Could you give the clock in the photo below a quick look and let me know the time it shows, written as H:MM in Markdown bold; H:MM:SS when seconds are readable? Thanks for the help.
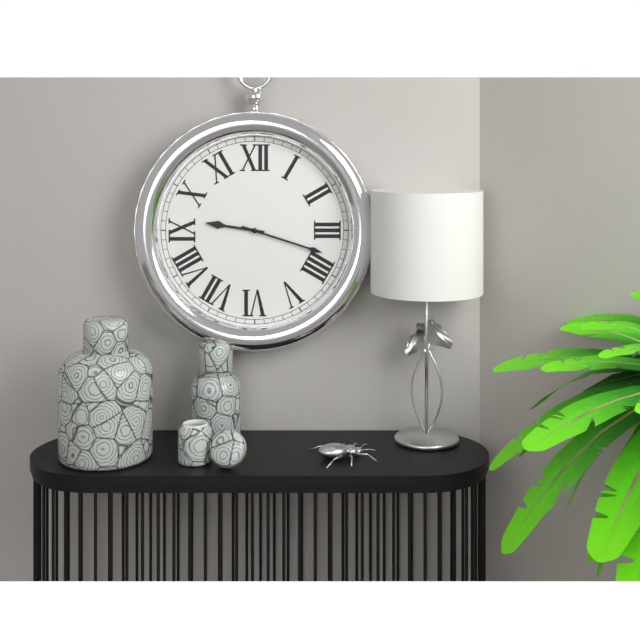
**9:18**
